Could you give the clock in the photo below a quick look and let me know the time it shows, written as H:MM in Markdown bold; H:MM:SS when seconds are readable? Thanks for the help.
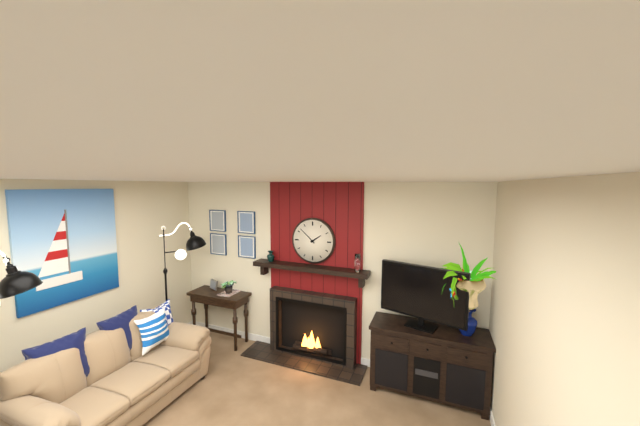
**1:52**
